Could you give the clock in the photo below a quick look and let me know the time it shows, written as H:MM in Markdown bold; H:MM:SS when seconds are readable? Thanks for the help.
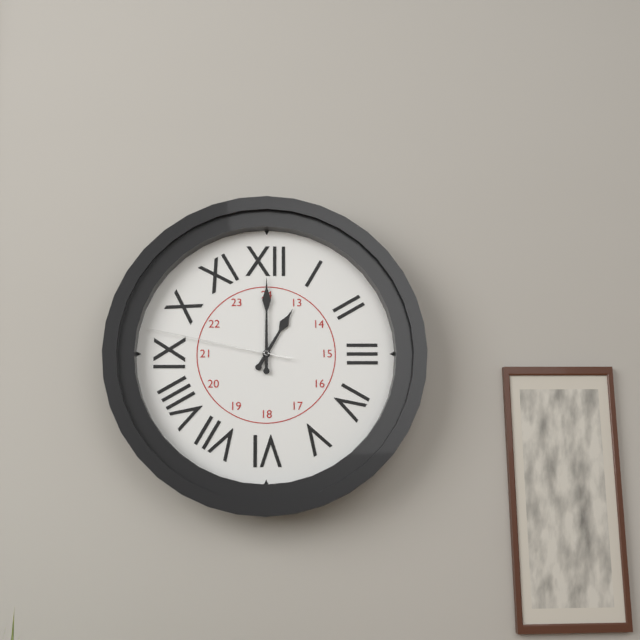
**1:00:47**
